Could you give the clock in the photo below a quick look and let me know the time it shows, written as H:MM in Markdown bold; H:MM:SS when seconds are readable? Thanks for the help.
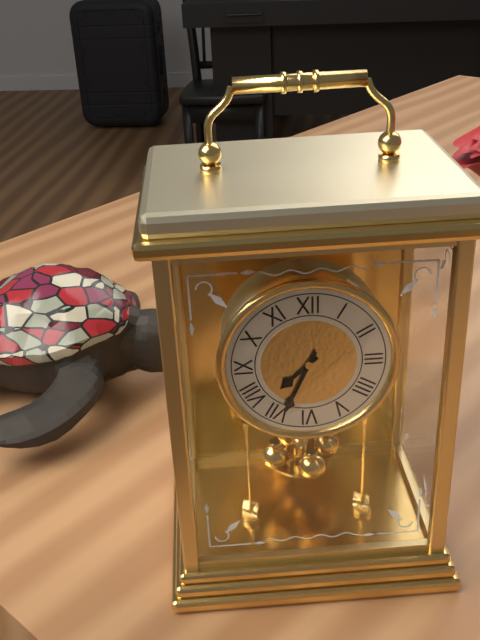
**7:34**
